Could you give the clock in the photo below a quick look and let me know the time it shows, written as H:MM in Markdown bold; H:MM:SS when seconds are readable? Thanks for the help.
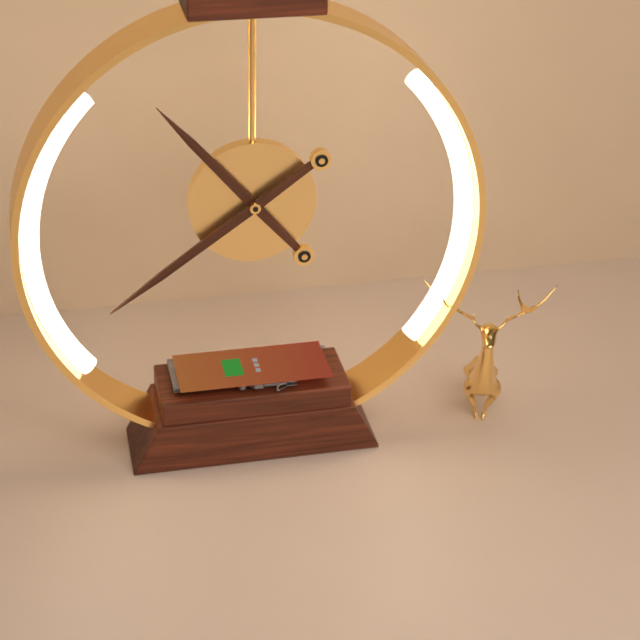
**10:39**
